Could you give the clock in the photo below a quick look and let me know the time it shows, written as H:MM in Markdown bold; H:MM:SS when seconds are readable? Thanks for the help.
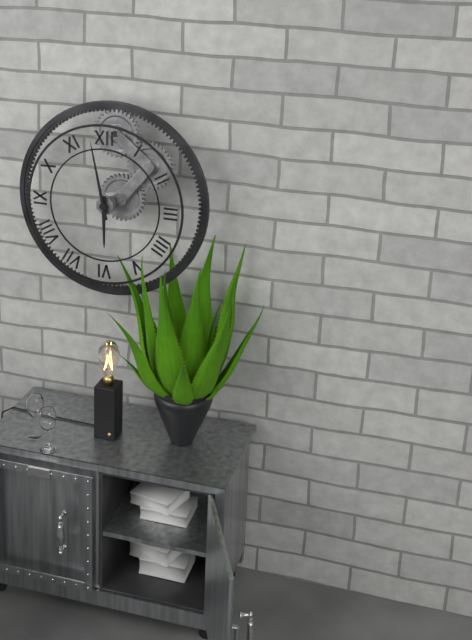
**5:58**
